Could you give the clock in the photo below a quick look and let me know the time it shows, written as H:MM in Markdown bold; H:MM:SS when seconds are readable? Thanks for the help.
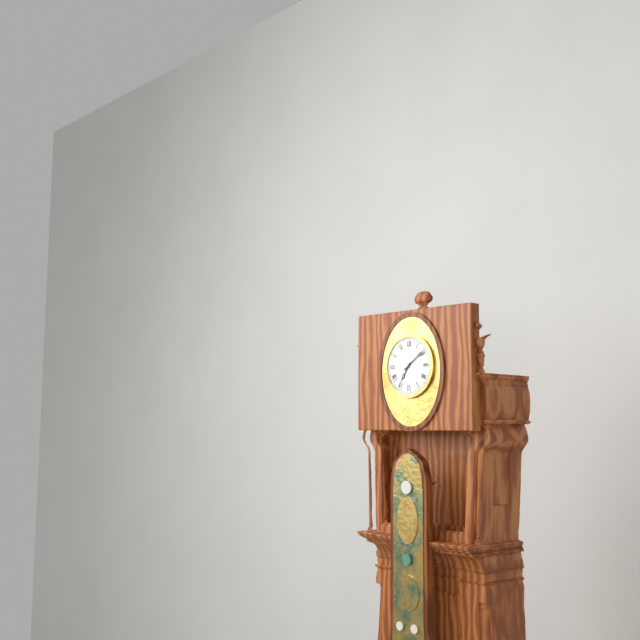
**7:09**
